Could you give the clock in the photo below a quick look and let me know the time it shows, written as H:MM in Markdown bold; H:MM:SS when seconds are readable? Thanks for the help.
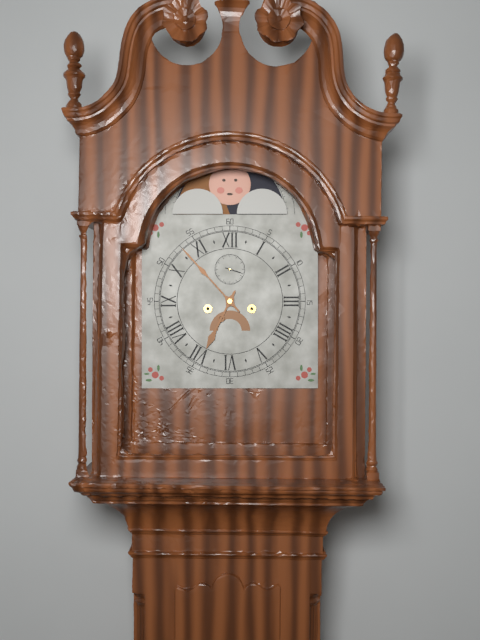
**6:53**
